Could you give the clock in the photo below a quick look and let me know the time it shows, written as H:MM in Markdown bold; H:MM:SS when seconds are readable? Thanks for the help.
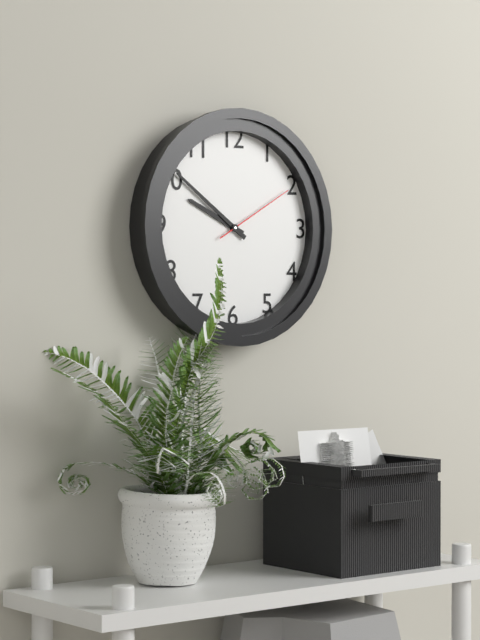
**9:51:10**
